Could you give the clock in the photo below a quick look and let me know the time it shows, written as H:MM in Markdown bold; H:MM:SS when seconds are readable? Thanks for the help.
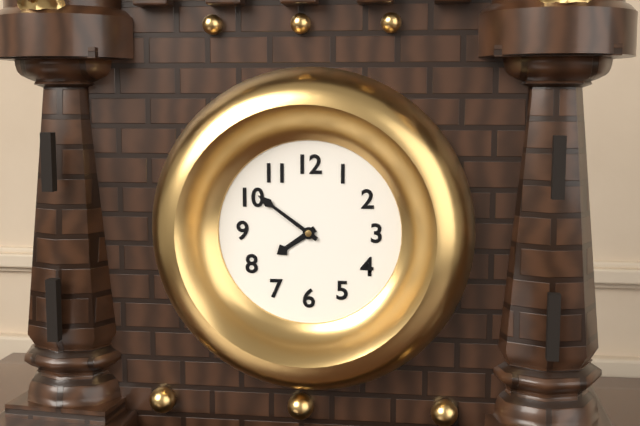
**7:51**
